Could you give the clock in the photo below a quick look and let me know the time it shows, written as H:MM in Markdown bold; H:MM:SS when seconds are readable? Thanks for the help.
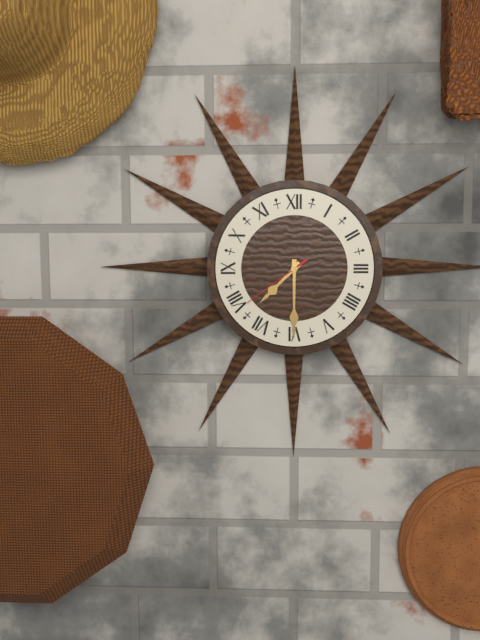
**7:30:39**
